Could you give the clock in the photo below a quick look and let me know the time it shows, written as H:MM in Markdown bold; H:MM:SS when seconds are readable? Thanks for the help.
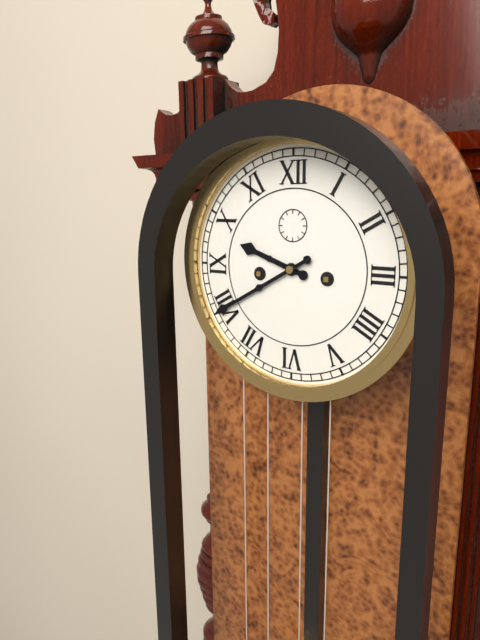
**9:40**
